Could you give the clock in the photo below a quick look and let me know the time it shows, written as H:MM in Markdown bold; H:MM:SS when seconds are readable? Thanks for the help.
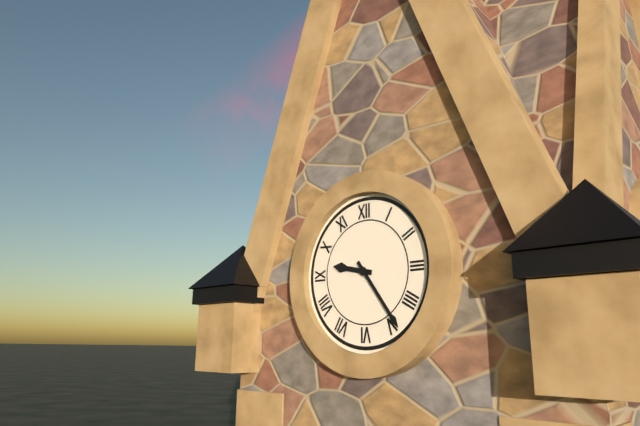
**9:24**
